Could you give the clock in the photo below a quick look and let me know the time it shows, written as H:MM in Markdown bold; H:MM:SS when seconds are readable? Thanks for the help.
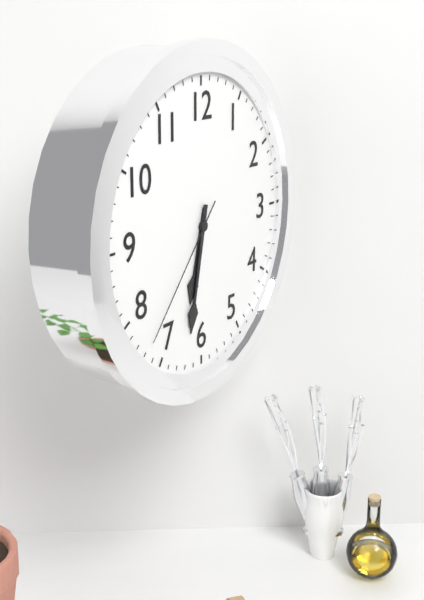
**6:32:37**
